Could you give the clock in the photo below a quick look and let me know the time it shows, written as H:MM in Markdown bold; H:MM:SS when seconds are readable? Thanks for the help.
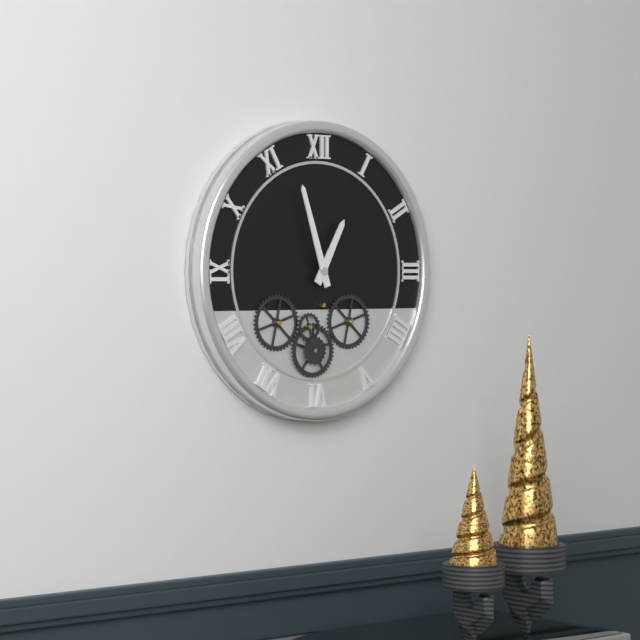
**12:57**
